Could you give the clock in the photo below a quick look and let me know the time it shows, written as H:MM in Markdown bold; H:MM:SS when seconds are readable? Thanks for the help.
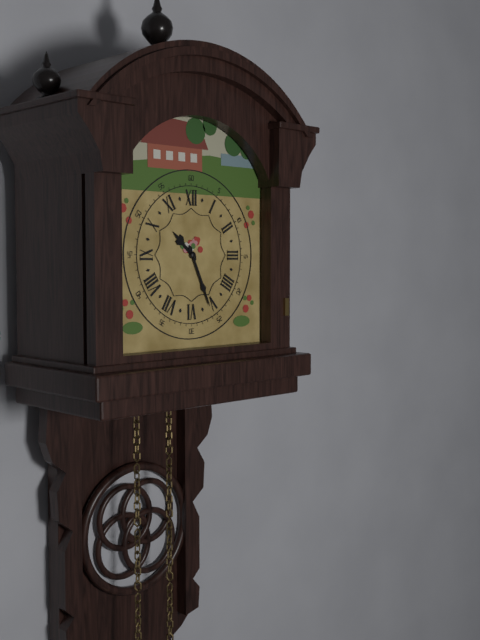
**10:26**
